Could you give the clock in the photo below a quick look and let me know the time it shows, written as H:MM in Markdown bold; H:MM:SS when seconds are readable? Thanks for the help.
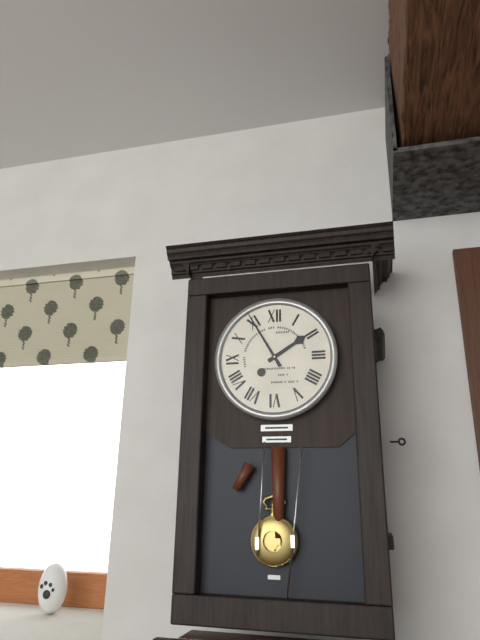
**1:55**
